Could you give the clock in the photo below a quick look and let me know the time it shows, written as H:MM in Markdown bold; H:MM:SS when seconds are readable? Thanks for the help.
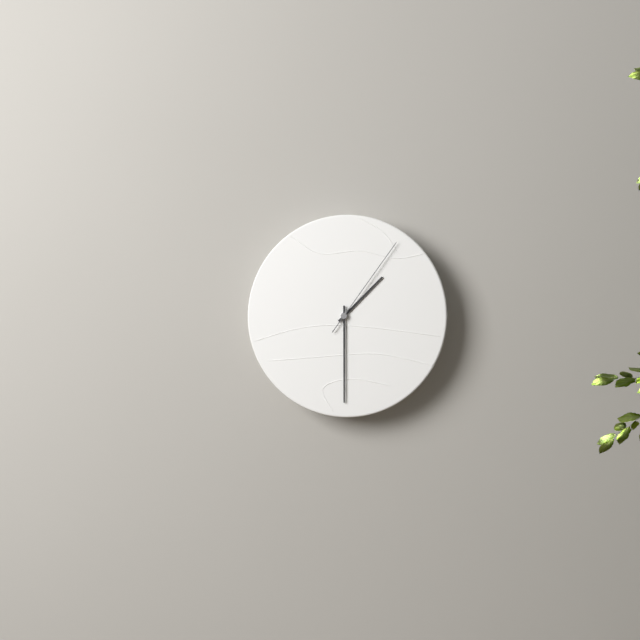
**1:30:06**
